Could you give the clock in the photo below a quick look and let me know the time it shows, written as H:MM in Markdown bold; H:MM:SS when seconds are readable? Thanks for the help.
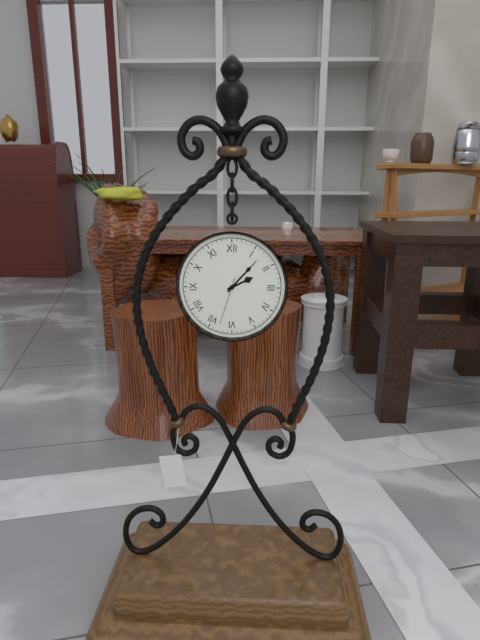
**2:07**
